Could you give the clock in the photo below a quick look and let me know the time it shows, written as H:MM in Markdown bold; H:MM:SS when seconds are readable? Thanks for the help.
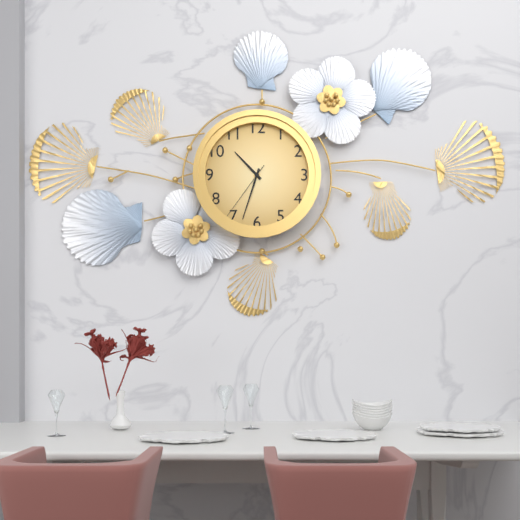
**10:33:36**
